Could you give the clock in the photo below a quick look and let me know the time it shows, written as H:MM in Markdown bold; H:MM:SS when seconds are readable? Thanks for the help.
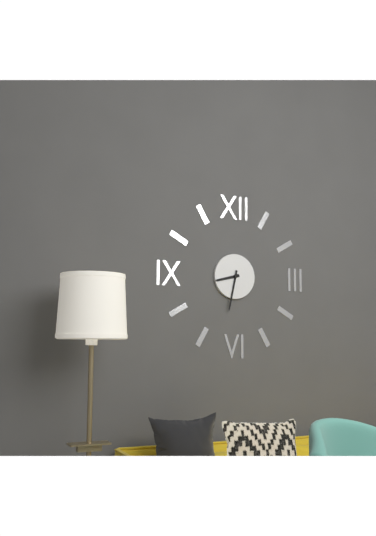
**8:32**
